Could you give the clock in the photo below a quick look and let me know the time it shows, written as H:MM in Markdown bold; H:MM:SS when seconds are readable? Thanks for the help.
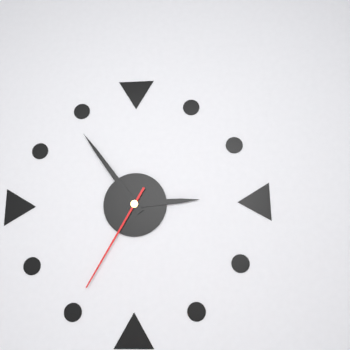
**2:54:35**
